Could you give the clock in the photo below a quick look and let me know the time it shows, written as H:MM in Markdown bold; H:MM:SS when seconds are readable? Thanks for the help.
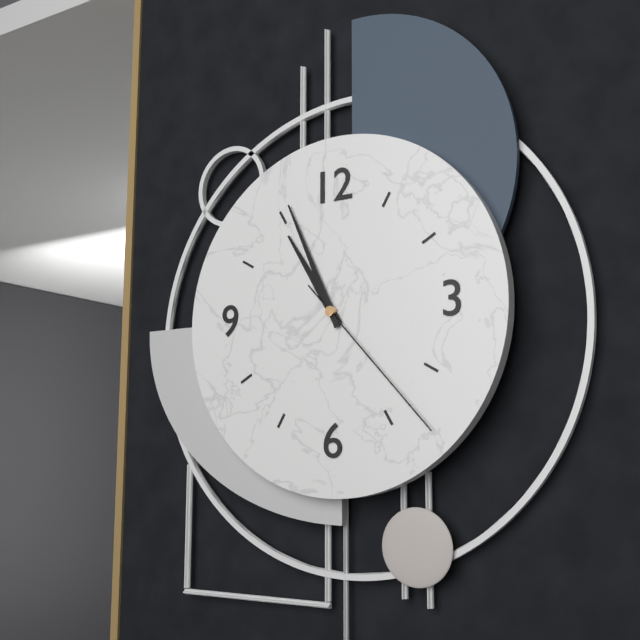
**10:56:23**
